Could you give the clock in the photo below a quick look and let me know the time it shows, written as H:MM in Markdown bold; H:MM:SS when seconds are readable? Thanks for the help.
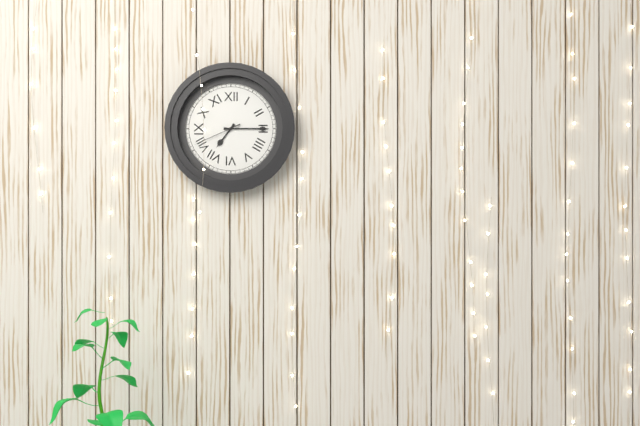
**7:15:41**
